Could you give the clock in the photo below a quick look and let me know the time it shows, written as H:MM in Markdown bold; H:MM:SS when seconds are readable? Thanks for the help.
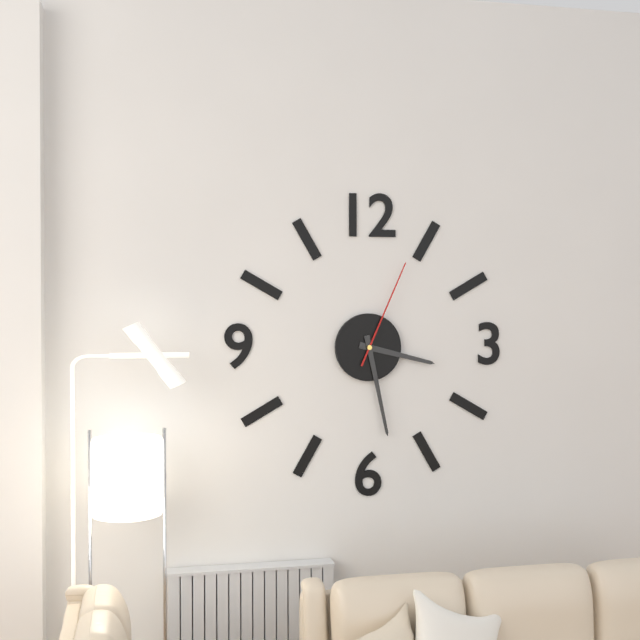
**3:28:04**
